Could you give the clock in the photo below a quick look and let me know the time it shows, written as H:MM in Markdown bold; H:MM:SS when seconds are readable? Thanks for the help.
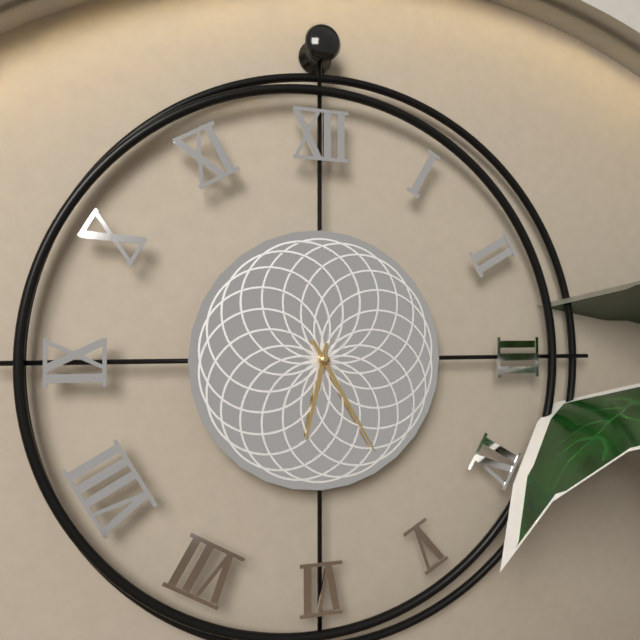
**6:25**
